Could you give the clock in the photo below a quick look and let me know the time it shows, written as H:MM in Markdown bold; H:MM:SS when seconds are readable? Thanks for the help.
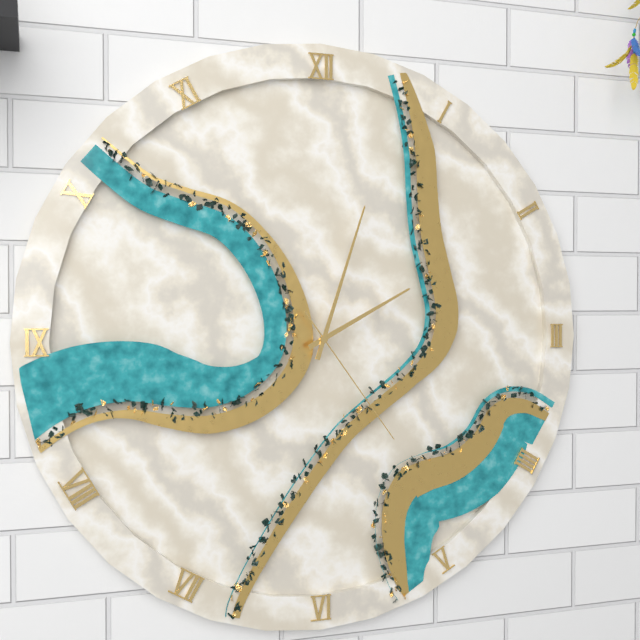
**2:03:24**
